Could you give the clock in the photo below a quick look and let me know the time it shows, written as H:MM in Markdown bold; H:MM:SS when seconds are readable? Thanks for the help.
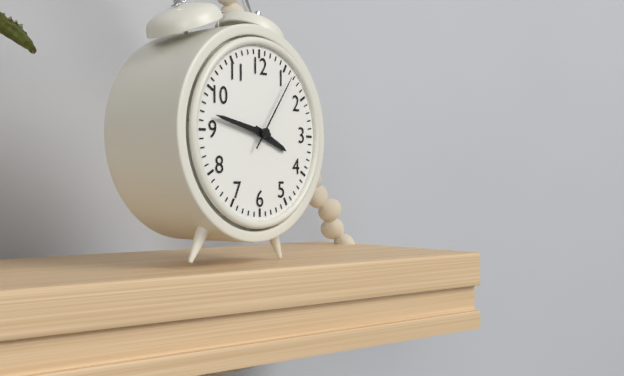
**3:47:06**
